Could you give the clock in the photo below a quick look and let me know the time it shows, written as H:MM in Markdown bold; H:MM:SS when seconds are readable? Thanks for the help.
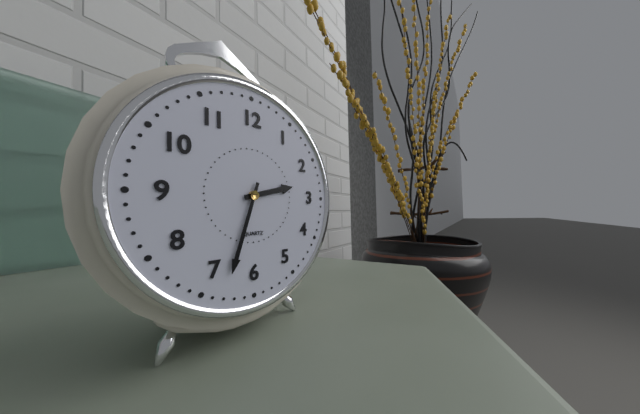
**2:33**
